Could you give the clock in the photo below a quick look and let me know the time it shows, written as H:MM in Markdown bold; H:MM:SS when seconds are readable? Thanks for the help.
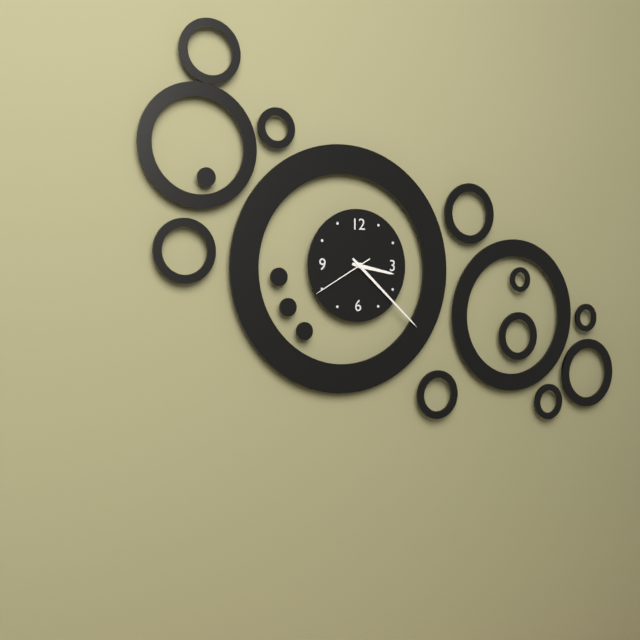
**3:22:40**
